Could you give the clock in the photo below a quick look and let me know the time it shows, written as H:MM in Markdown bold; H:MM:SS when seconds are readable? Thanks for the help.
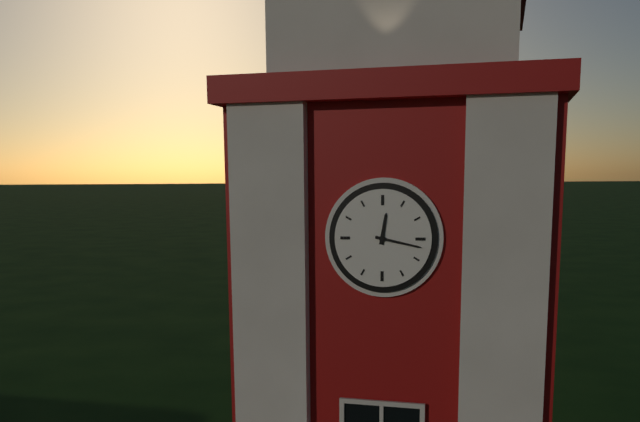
**12:17**
